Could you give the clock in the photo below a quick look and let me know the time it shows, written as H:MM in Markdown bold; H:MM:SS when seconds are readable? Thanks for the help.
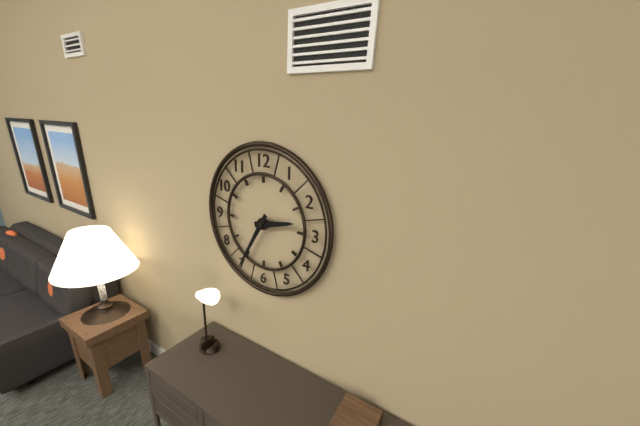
**2:35**
